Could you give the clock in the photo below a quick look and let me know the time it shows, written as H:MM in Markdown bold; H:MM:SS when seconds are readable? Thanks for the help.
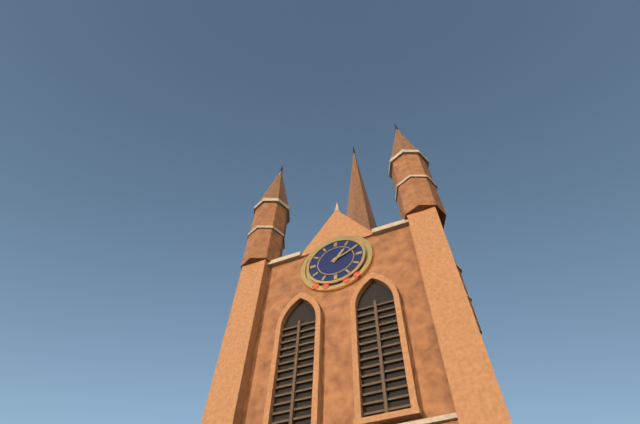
**1:11**
